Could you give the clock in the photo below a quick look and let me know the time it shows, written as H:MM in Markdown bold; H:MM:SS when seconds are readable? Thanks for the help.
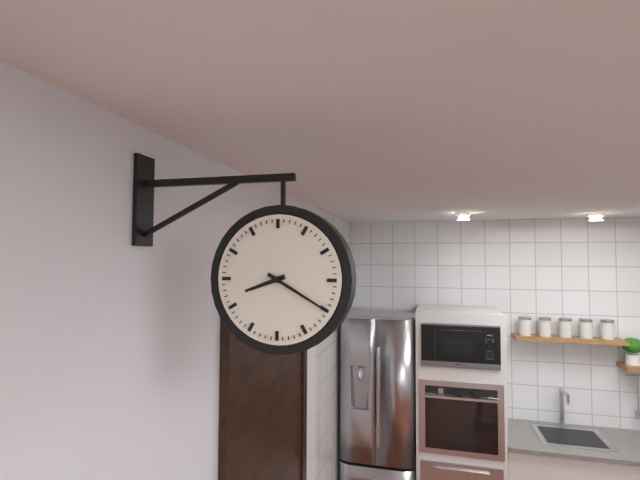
**8:20**
